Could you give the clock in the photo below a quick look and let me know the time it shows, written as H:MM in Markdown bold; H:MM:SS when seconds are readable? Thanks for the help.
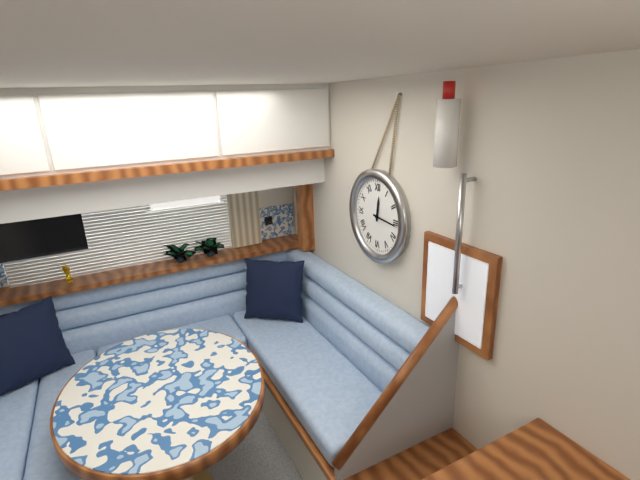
**12:16**
